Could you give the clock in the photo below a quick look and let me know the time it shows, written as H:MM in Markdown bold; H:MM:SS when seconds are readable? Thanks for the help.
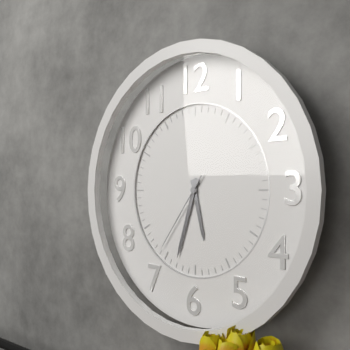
**5:33:36**
